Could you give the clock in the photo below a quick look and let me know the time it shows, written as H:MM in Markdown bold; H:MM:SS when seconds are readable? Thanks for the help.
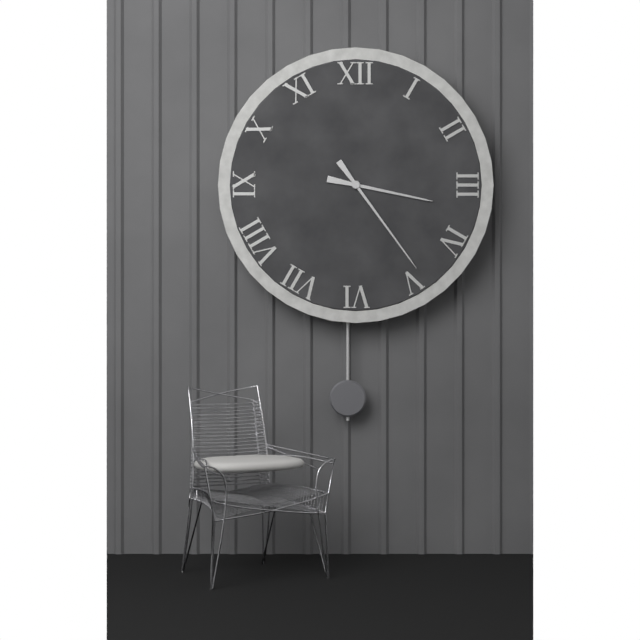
**3:24**
